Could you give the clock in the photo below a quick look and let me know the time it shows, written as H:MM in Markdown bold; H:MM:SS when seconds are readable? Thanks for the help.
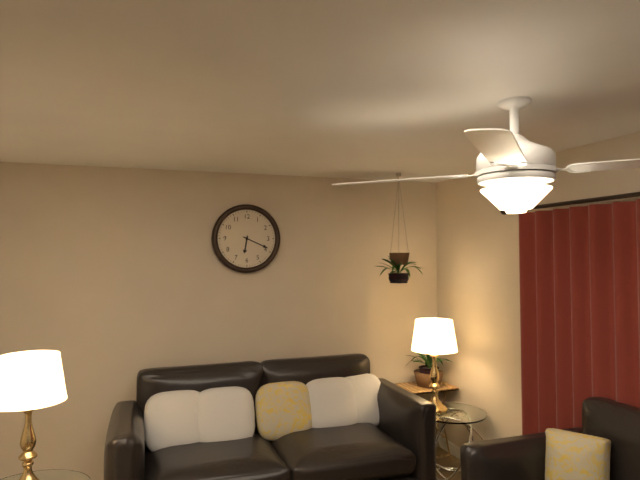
**6:19**
